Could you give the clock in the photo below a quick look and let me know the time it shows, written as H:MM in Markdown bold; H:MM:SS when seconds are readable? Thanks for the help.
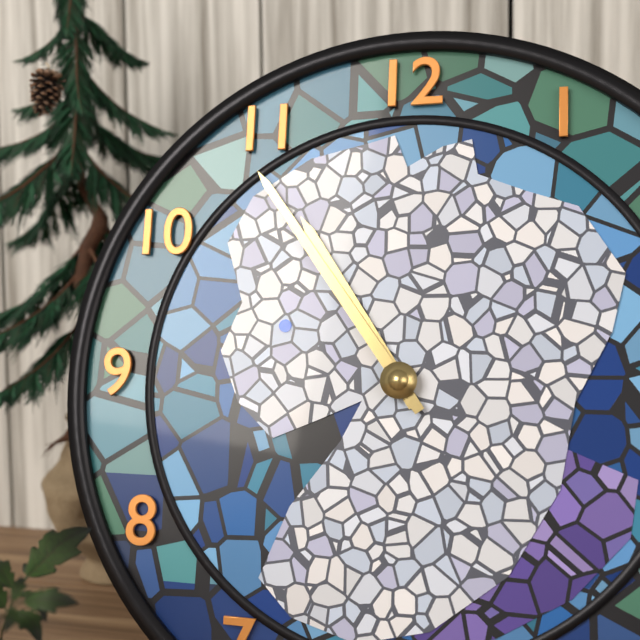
**10:54**
